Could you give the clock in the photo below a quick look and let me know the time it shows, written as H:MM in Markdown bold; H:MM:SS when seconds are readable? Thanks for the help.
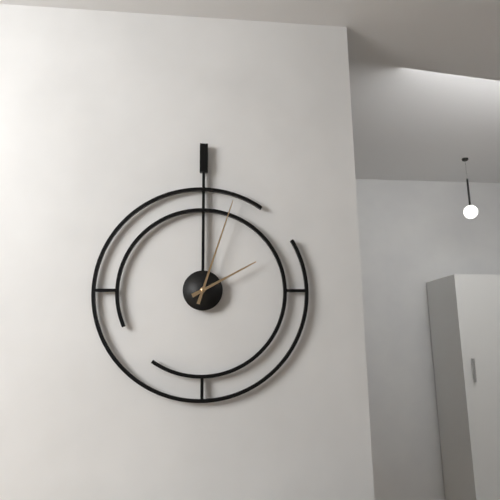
**2:03**
